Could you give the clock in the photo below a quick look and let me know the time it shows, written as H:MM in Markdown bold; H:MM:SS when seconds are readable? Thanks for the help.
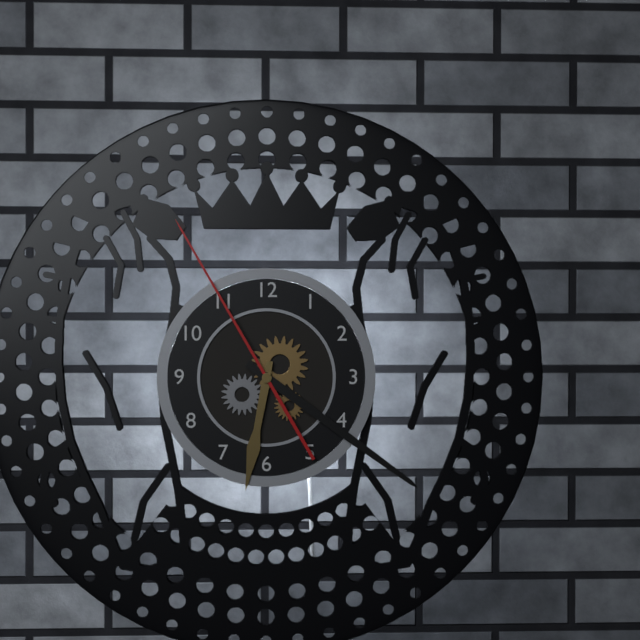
**6:21:55**
